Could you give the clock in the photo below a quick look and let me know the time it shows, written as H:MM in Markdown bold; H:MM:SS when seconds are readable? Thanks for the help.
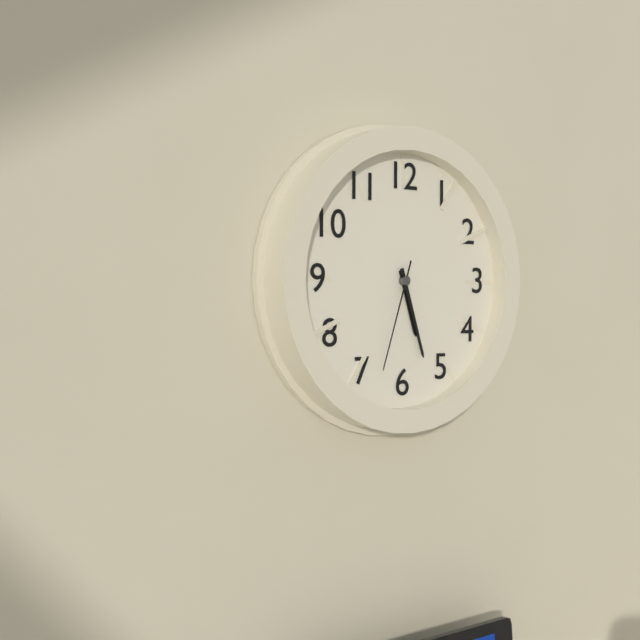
**5:27:33**
